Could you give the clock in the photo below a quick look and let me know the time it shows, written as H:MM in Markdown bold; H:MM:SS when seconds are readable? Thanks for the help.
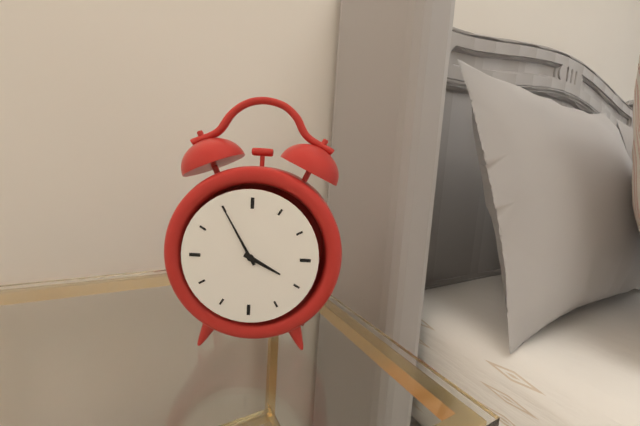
**3:55**
